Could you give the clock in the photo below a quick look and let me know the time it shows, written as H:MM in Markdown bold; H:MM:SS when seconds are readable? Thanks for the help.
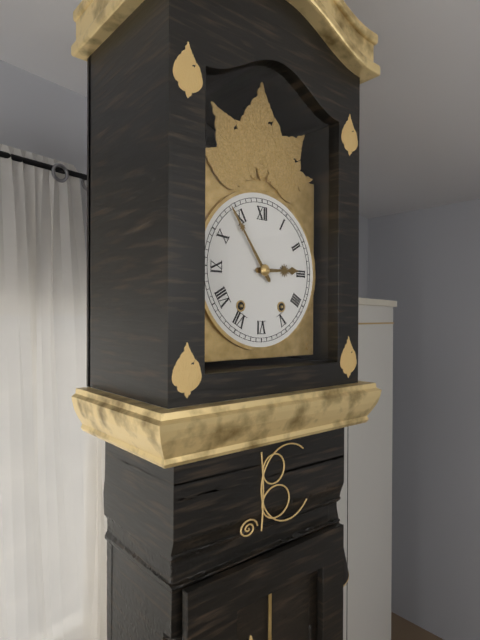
**2:54**
